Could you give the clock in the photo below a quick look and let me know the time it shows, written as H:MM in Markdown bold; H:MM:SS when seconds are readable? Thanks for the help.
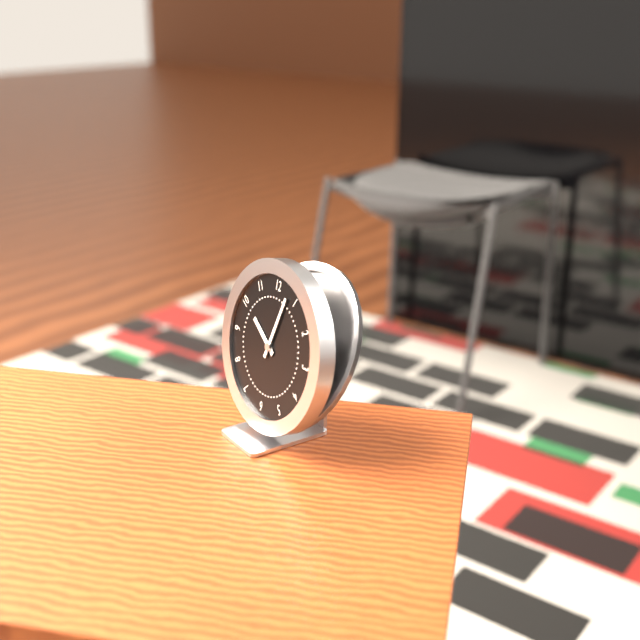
**10:03**
